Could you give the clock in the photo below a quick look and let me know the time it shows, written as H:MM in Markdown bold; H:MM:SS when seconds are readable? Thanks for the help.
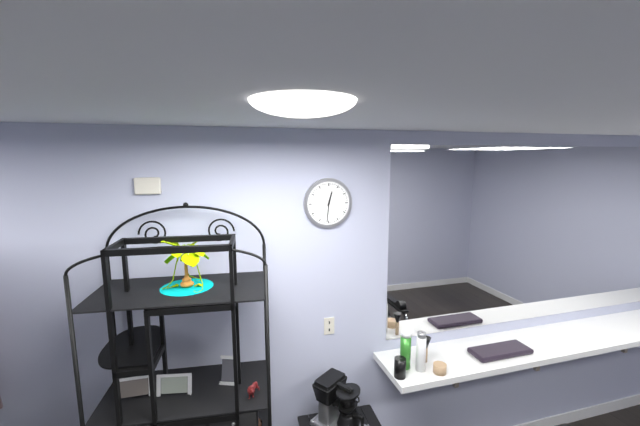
**12:31**
